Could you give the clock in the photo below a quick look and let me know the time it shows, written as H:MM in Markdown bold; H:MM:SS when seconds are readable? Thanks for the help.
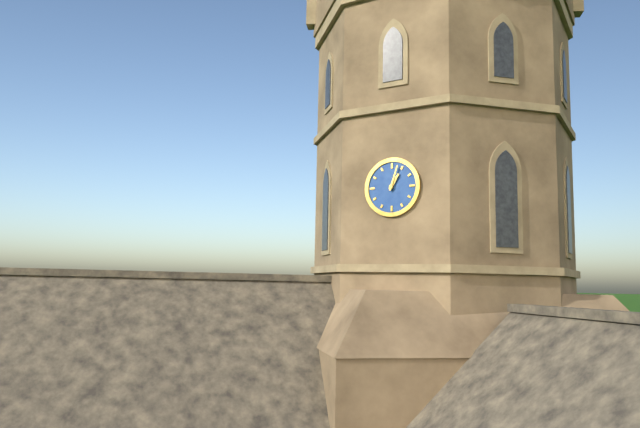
**1:03**
